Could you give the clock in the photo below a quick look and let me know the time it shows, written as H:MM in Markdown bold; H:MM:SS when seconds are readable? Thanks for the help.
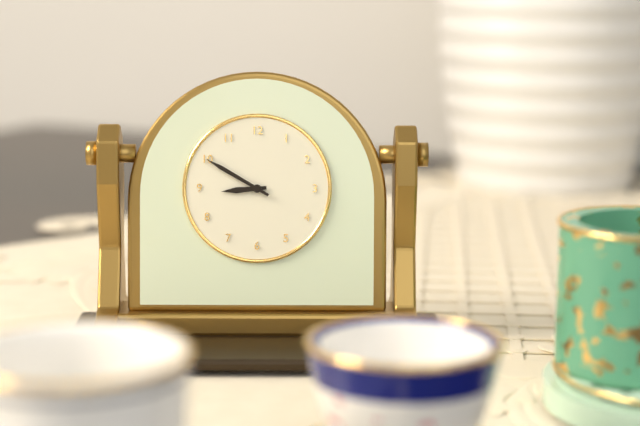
**8:50**
